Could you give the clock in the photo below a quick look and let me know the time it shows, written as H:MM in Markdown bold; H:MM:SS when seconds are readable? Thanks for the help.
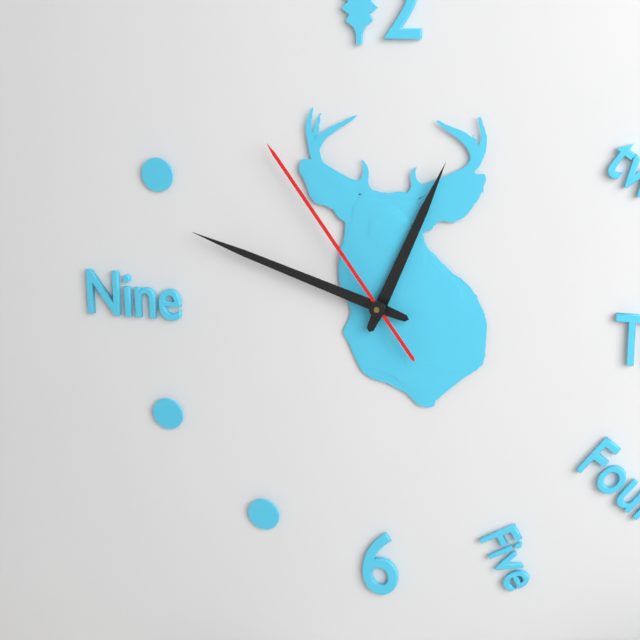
**12:48:54**
